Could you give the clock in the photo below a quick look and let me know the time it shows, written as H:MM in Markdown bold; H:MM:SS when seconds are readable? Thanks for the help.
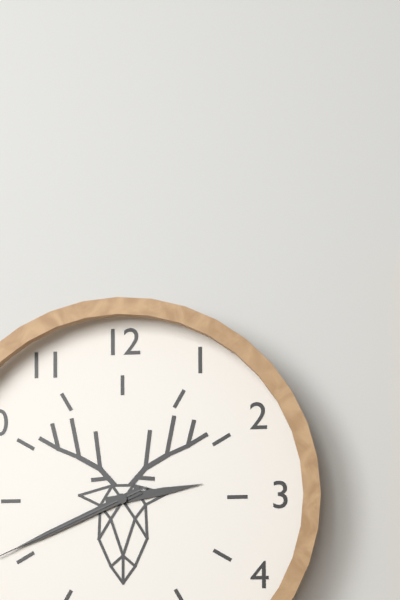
**2:41**
